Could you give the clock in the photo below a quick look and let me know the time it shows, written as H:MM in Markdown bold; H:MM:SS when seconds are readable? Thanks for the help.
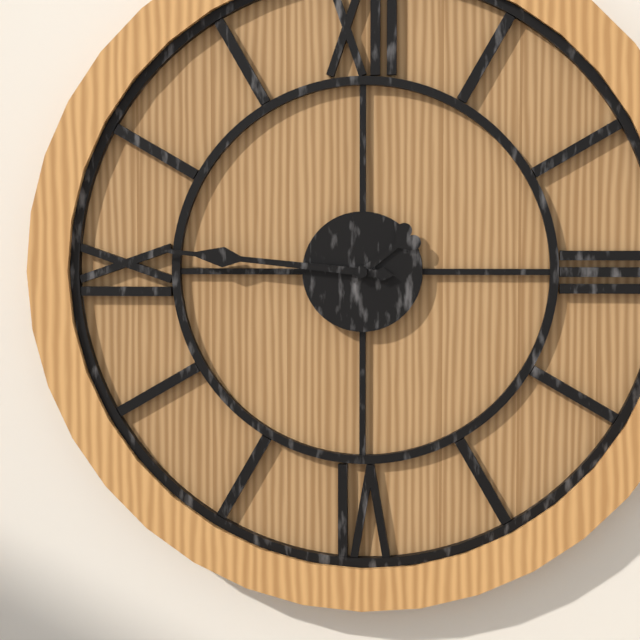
**1:46**
